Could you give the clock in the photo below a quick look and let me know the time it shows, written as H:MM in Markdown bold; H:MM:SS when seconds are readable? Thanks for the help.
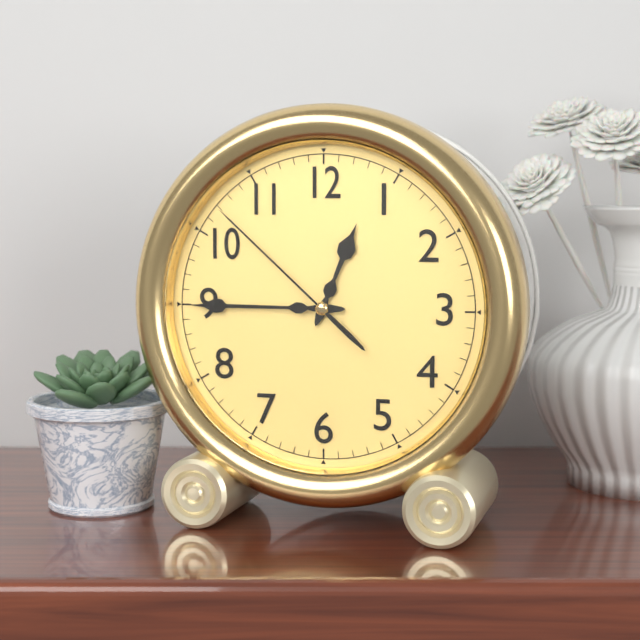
**12:45:52**
